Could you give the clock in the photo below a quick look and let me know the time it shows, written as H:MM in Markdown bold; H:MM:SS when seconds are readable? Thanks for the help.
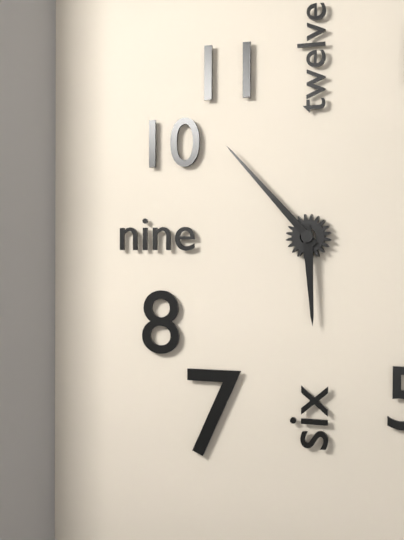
**5:53**
